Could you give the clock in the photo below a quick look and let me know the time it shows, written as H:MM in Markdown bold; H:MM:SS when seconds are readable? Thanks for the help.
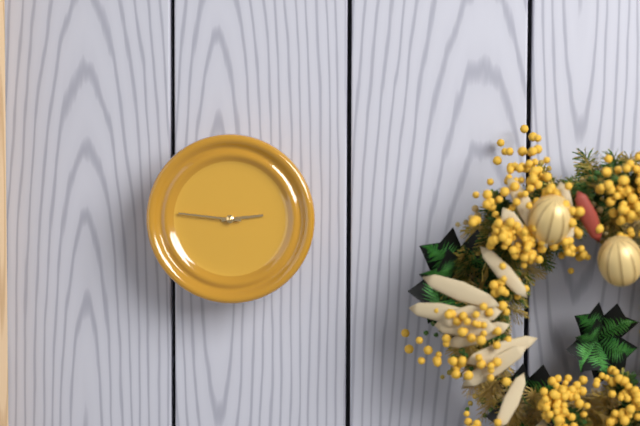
**2:46**
